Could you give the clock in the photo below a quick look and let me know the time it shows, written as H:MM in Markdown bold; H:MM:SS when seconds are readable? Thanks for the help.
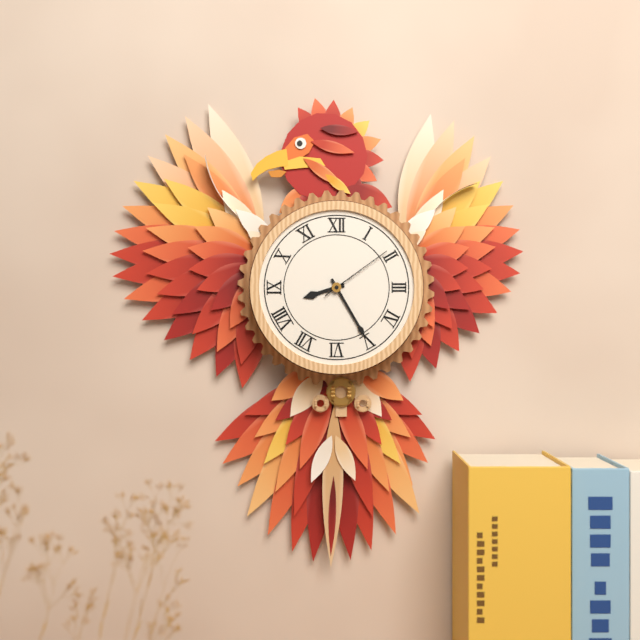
**8:25:09**
